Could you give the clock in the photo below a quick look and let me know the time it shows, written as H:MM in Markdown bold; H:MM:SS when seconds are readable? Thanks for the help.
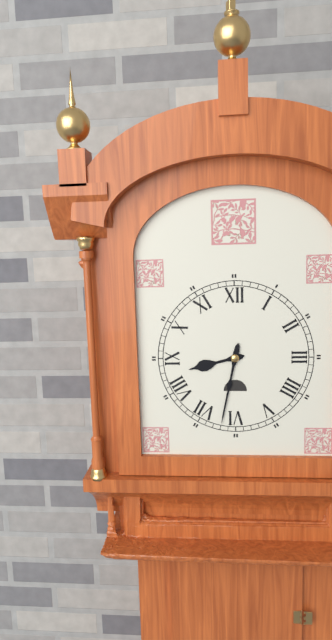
**8:32**
